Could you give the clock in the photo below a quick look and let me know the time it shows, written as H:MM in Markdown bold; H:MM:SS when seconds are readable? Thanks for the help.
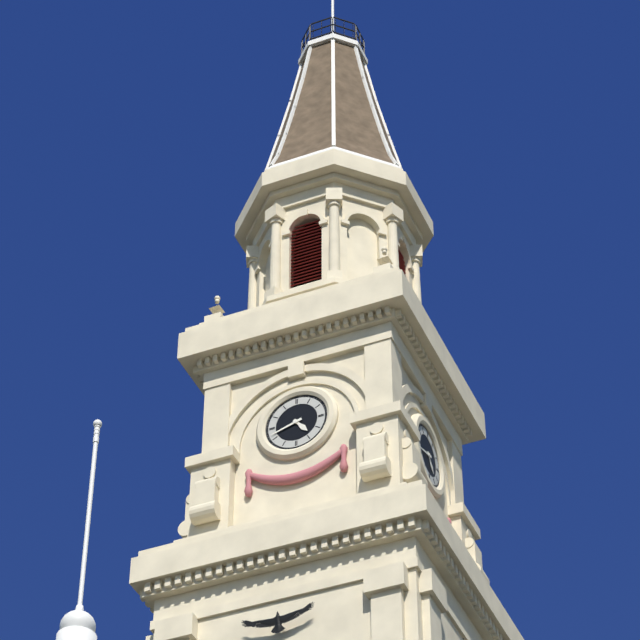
**4:42**
